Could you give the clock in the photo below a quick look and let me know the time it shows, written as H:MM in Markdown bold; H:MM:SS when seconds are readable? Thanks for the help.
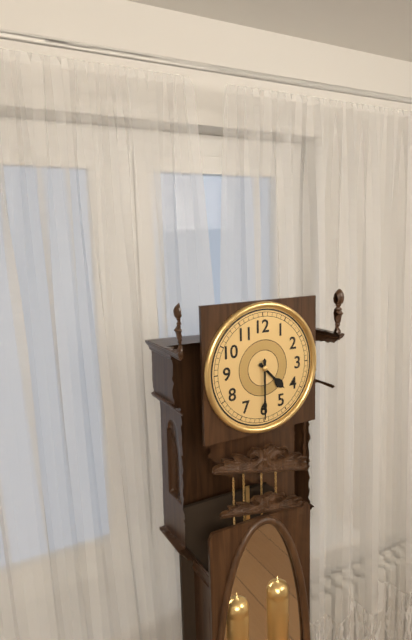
**4:30**
